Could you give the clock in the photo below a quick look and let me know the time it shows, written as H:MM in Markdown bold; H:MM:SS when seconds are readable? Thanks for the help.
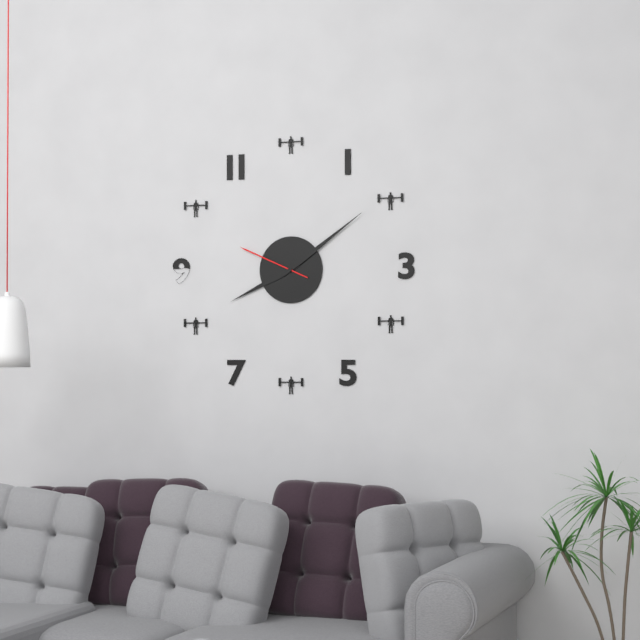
**8:09:49**
